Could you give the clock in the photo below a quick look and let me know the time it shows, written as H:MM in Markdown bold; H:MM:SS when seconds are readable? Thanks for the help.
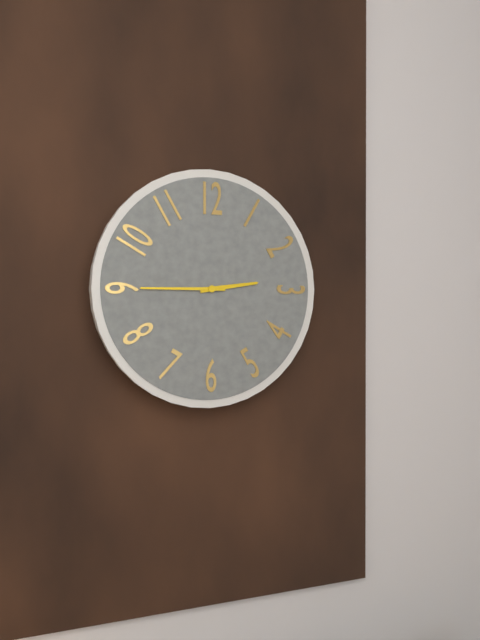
**2:45**
